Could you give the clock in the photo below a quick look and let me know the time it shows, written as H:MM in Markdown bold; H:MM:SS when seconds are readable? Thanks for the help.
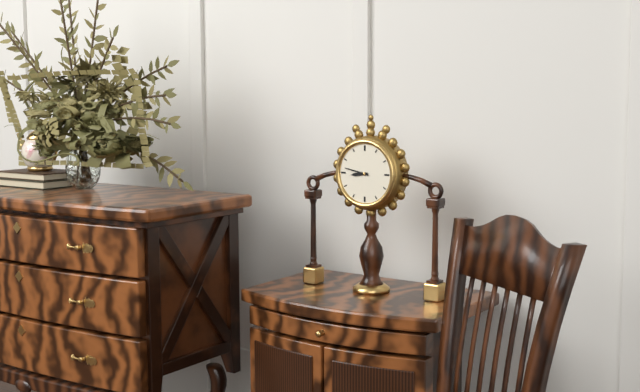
**8:47**
